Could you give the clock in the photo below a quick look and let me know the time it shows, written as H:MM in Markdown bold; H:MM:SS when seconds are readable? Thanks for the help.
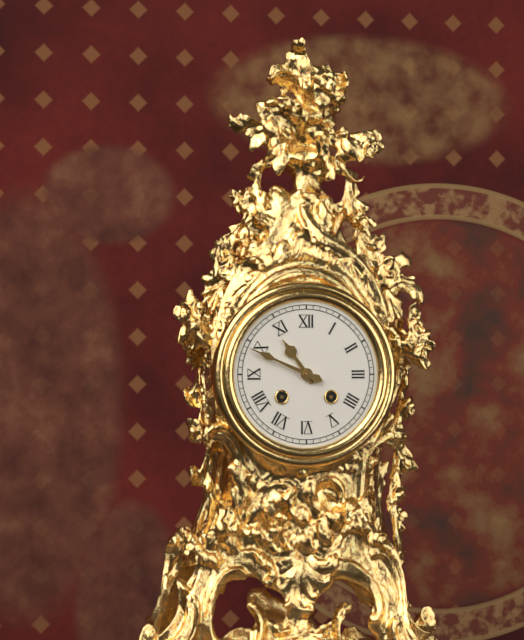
**10:49**
